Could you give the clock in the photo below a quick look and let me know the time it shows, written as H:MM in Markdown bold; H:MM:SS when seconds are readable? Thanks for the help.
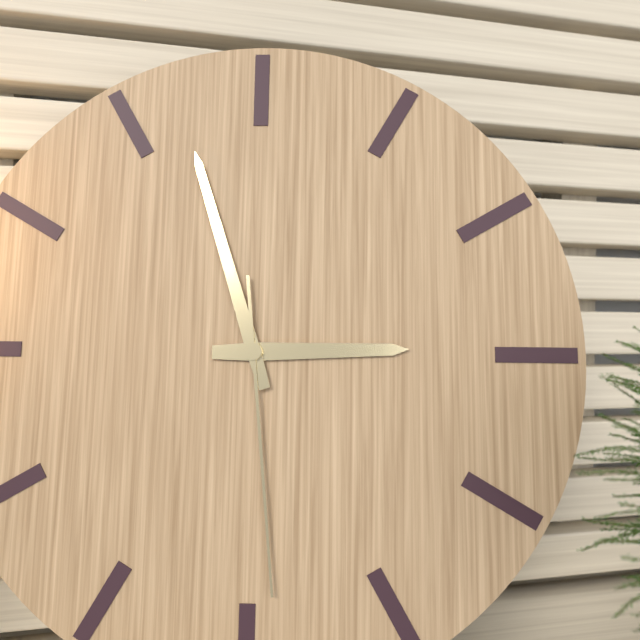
**2:57:29**
